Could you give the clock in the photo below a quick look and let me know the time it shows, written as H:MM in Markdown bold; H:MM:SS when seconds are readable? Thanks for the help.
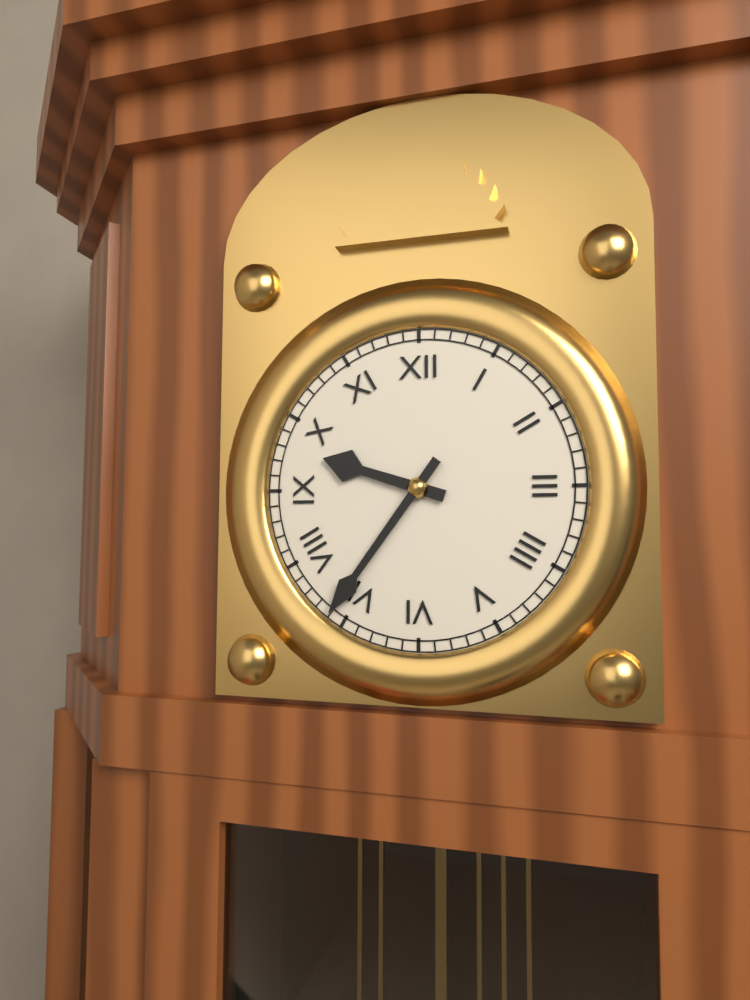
**9:36**
